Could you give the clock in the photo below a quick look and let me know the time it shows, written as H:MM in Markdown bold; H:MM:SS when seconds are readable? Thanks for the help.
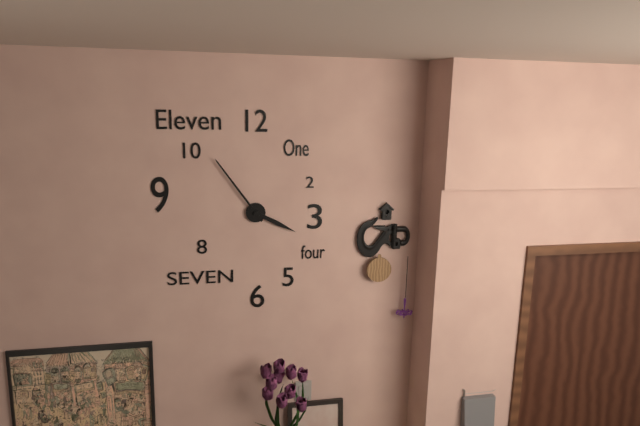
**3:54**
